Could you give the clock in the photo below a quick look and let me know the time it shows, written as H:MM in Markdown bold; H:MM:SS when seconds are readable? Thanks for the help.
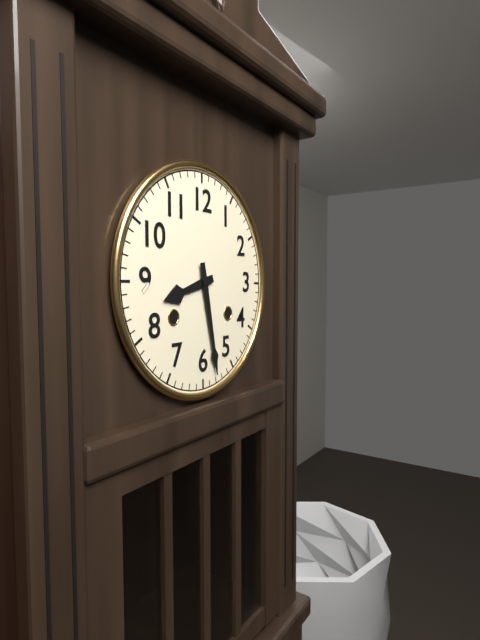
**8:28**
